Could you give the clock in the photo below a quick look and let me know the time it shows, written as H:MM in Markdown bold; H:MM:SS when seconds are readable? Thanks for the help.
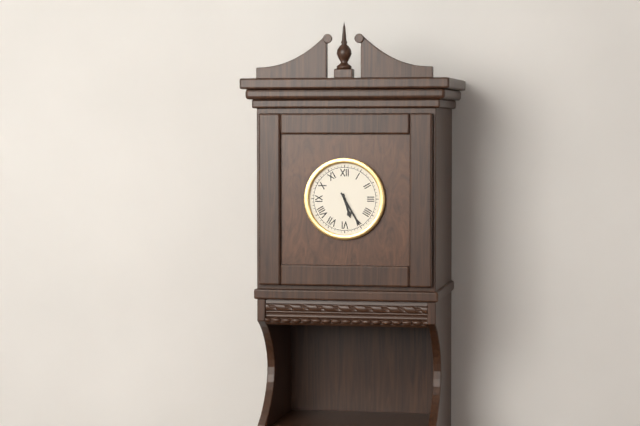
**5:25**
